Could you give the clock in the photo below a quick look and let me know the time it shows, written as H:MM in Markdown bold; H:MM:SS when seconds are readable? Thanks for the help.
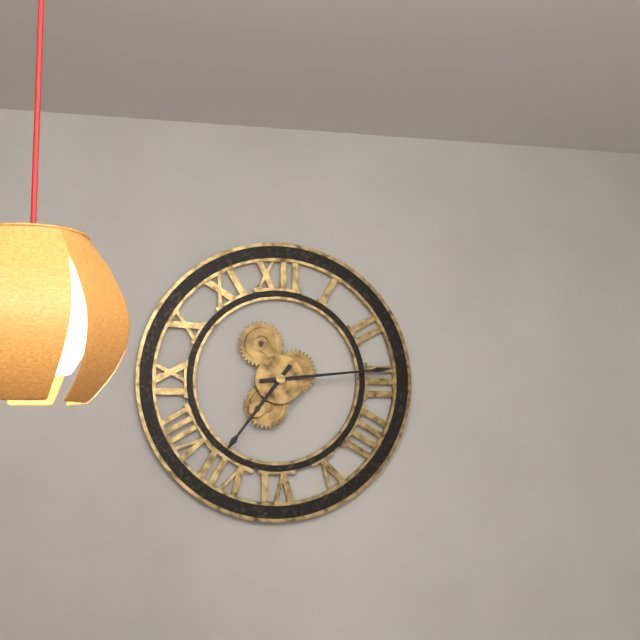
**7:14**
